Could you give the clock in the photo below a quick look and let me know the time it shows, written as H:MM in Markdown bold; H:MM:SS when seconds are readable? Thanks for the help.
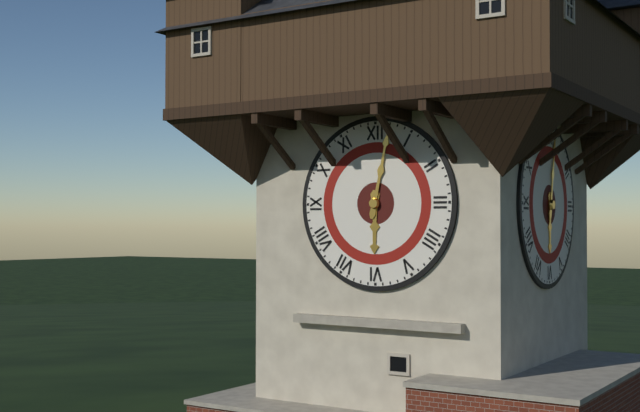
**6:02**
